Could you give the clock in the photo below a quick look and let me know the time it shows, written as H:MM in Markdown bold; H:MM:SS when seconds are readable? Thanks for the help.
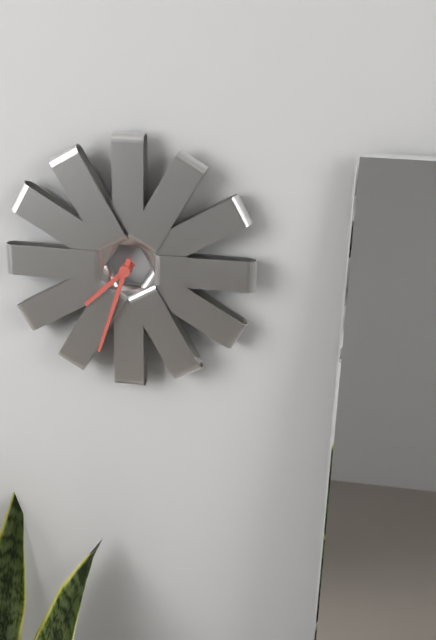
**7:33**
